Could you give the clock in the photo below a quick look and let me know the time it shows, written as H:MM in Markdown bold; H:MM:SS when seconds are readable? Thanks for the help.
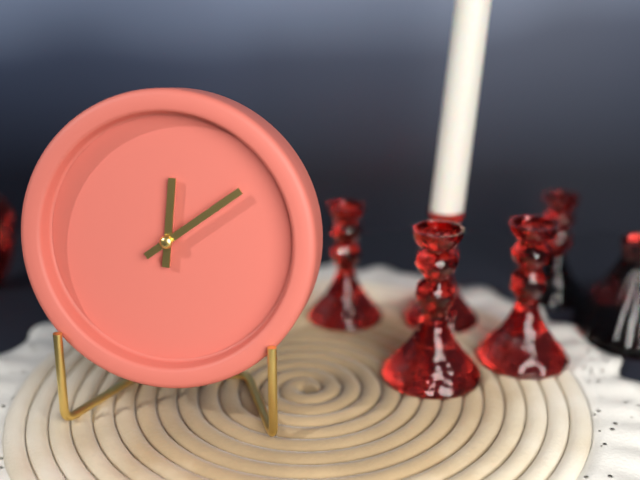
**12:09**
